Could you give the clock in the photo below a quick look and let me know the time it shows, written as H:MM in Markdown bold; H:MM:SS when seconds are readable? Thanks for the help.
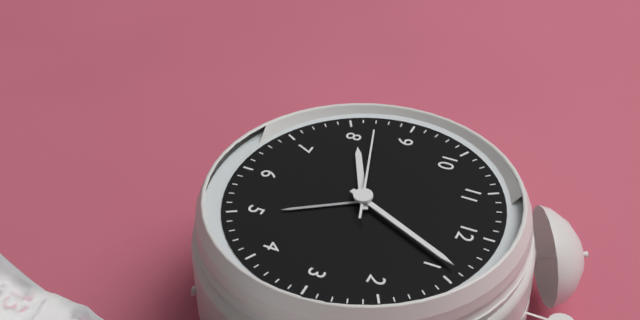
**8:04:42**
